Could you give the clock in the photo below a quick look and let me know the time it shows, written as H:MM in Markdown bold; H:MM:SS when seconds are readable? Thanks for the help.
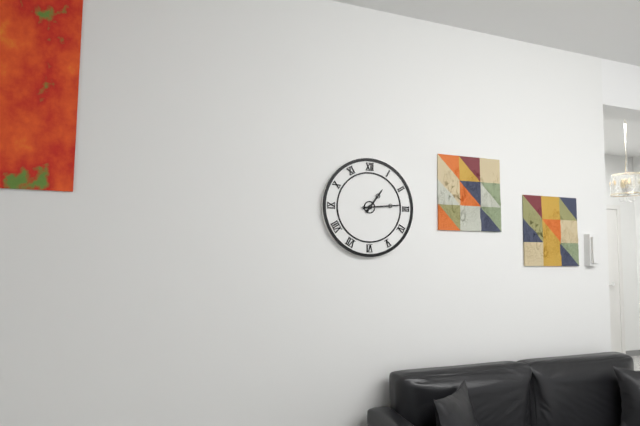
**1:14**
